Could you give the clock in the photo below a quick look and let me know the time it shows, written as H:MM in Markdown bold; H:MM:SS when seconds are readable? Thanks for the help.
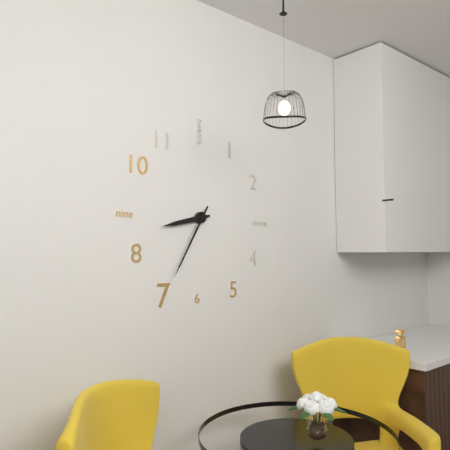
**8:35**
